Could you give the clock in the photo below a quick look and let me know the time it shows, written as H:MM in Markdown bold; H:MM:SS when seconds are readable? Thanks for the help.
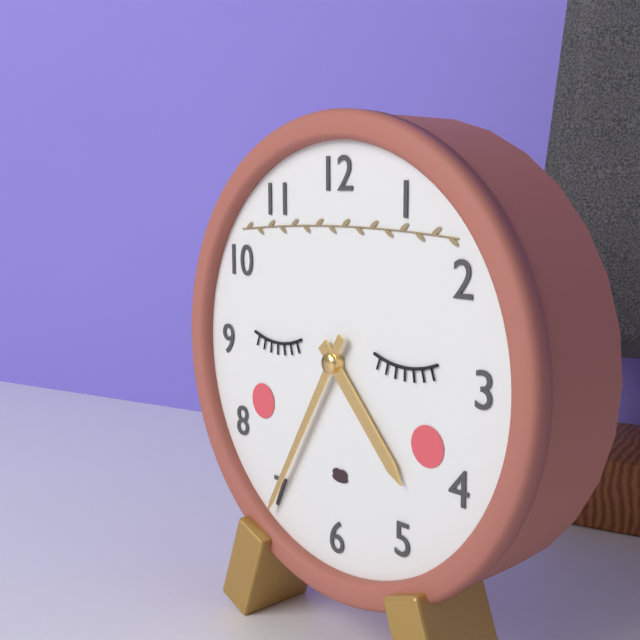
**4:35**
